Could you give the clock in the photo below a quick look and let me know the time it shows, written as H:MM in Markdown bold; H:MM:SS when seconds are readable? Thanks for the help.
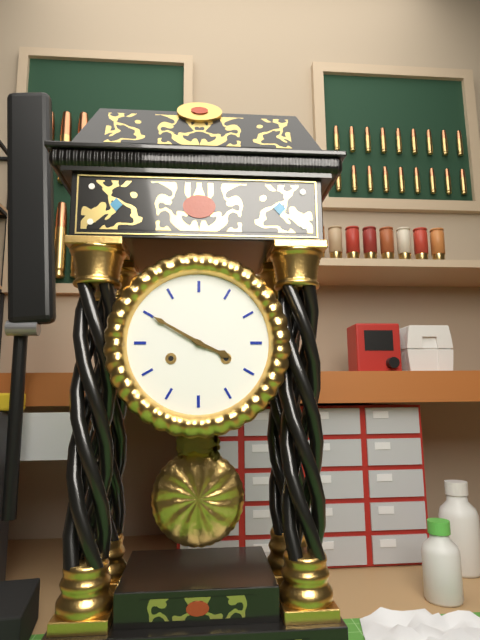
**3:50**
